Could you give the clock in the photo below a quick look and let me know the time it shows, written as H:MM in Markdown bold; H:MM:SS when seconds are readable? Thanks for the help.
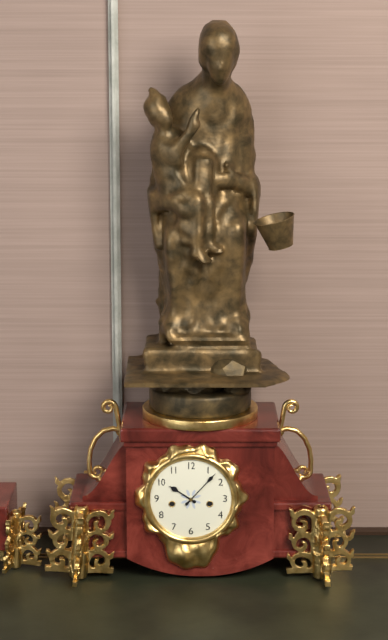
**10:07**
